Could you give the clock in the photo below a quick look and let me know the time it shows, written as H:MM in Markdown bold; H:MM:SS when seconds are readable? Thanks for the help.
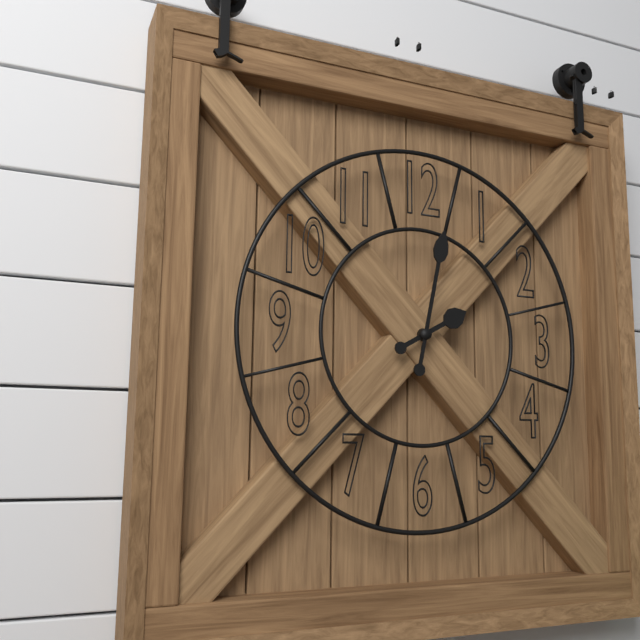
**2:02**
